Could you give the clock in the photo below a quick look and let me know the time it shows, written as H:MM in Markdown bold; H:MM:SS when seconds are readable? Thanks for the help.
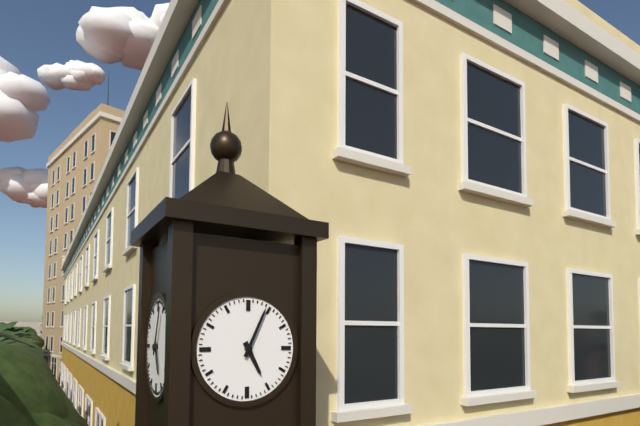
**5:04**
